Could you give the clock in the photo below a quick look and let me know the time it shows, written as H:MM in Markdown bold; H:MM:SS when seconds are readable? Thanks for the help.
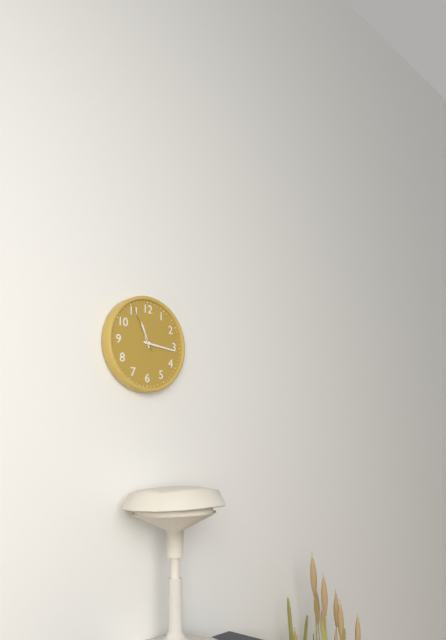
**11:16:55**
